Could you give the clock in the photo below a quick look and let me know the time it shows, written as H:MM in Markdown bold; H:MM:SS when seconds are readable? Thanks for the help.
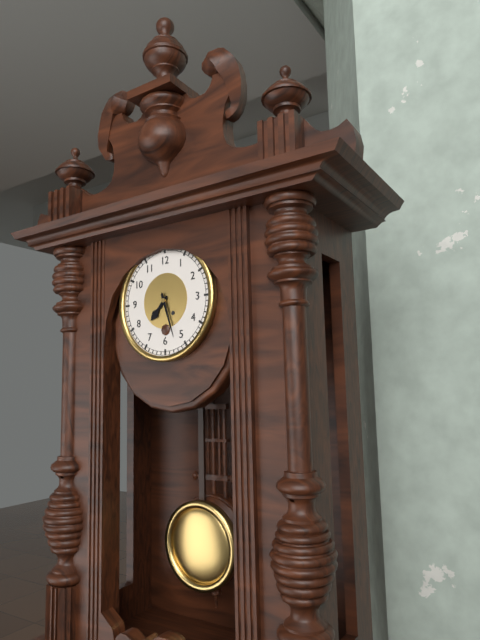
**7:27**
